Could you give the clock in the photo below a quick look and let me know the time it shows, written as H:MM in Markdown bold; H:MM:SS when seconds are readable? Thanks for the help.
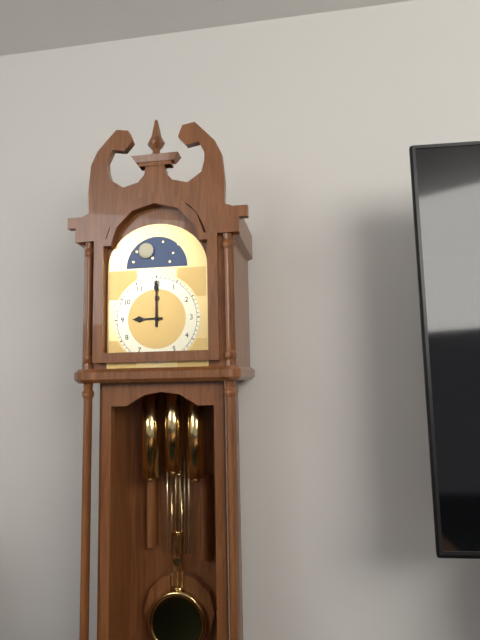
**9:00**
